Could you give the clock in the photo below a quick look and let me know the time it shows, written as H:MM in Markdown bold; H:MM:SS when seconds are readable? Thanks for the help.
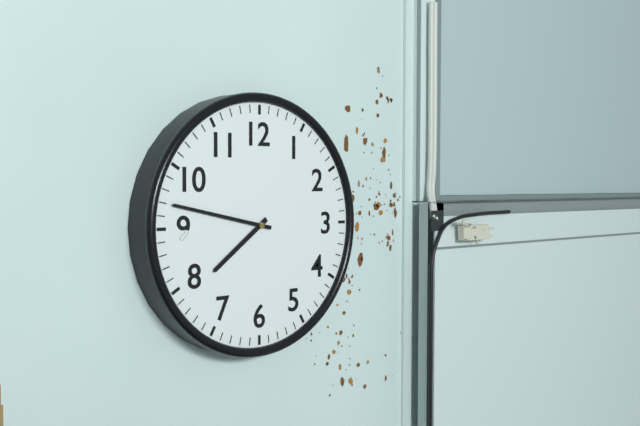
**7:47**
